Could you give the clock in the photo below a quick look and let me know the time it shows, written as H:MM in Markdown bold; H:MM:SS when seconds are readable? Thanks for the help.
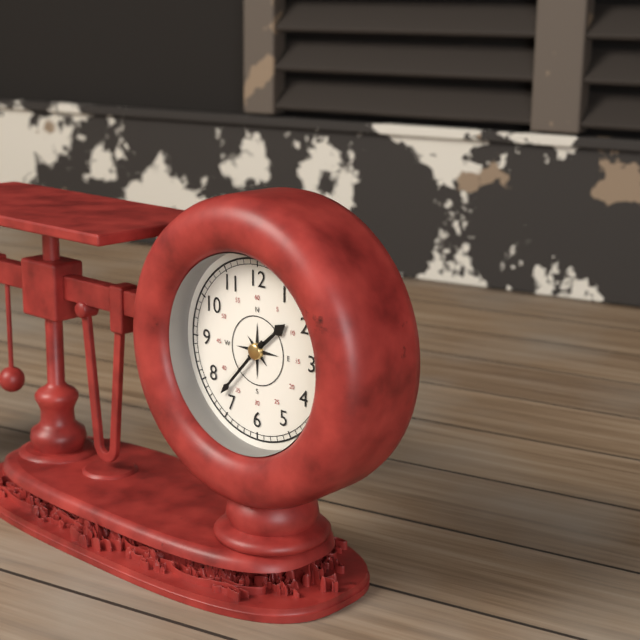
**1:37**
